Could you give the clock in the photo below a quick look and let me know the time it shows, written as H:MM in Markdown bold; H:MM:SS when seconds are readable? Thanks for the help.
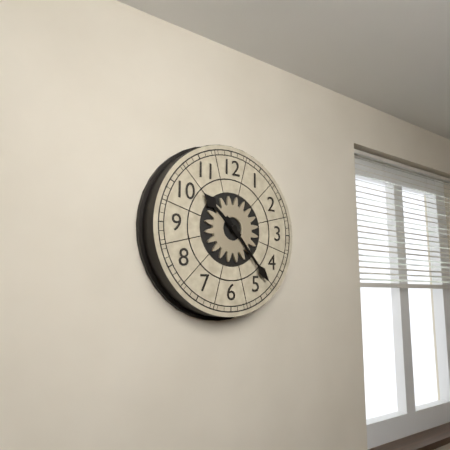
**10:23**
